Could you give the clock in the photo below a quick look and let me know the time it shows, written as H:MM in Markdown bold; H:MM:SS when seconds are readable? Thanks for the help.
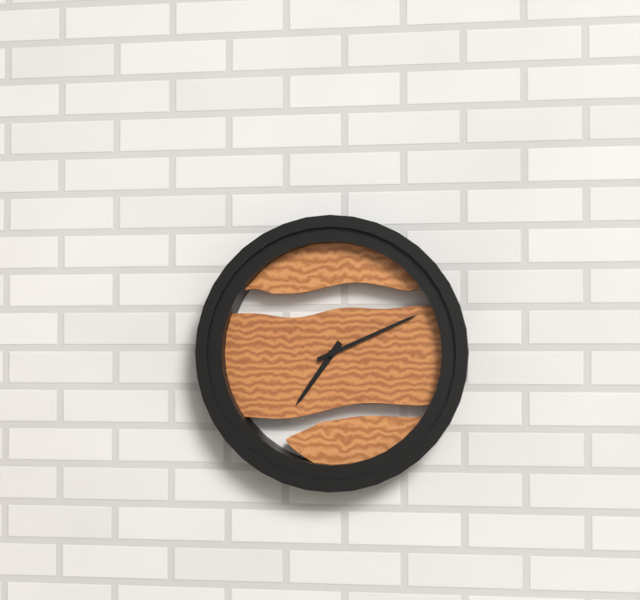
**7:11**
